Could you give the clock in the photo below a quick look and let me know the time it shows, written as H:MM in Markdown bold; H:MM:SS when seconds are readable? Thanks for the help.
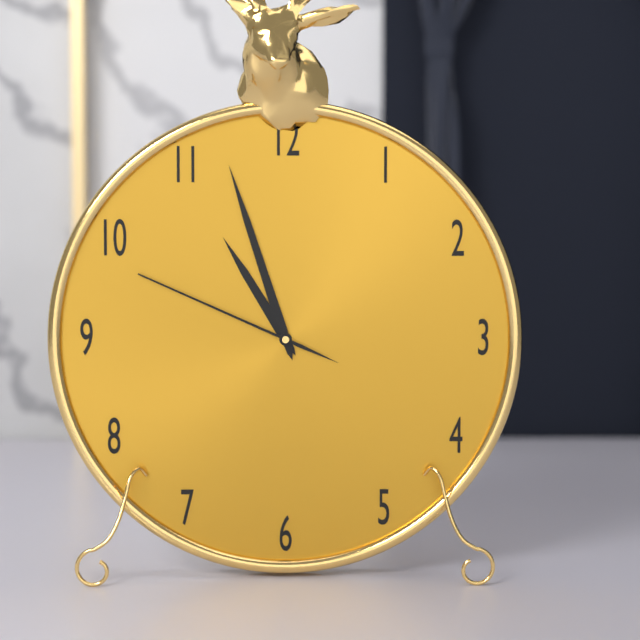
**10:57:49**
